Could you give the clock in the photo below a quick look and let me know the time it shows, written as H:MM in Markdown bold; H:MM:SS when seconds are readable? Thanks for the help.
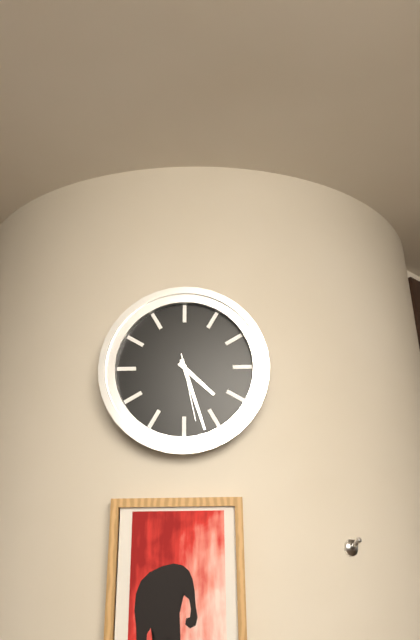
**4:27:28**
